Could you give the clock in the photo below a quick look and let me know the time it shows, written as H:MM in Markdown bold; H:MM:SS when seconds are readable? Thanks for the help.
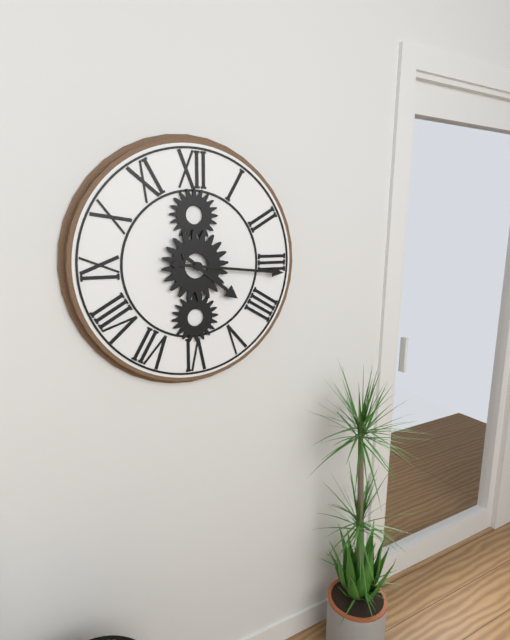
**4:16**
